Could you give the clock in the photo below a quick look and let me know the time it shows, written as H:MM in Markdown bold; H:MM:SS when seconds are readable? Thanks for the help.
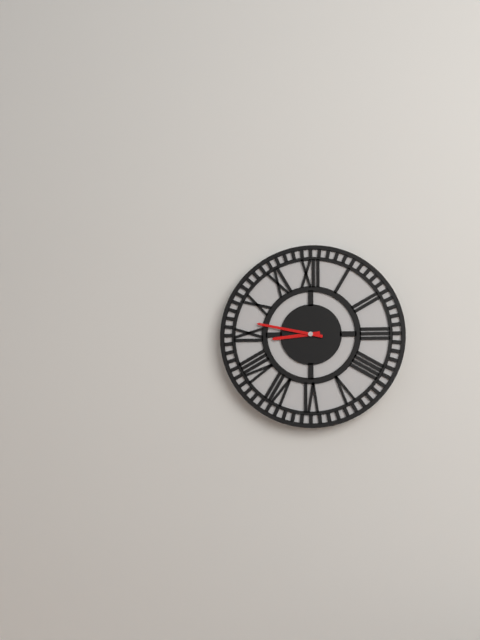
**8:47**
